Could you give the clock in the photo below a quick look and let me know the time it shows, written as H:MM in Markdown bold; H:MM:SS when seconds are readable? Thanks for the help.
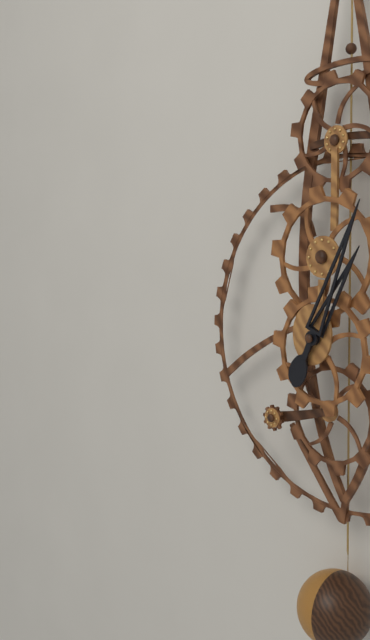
**1:04**
